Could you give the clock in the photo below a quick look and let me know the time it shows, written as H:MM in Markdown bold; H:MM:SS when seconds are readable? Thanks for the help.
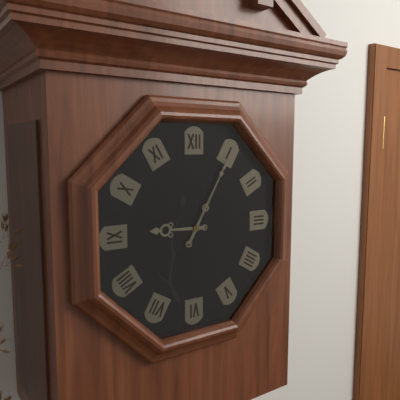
**9:05**
